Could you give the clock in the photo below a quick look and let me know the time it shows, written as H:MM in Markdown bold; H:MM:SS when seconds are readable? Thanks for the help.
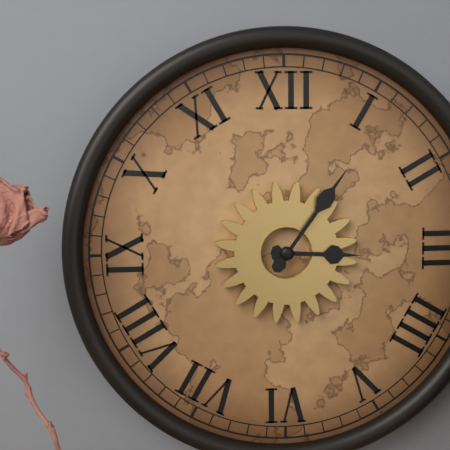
**3:06**
